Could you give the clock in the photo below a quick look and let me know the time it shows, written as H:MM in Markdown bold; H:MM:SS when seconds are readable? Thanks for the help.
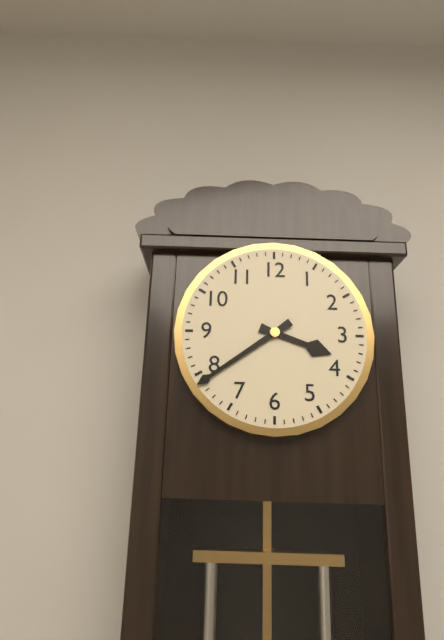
**3:39**
